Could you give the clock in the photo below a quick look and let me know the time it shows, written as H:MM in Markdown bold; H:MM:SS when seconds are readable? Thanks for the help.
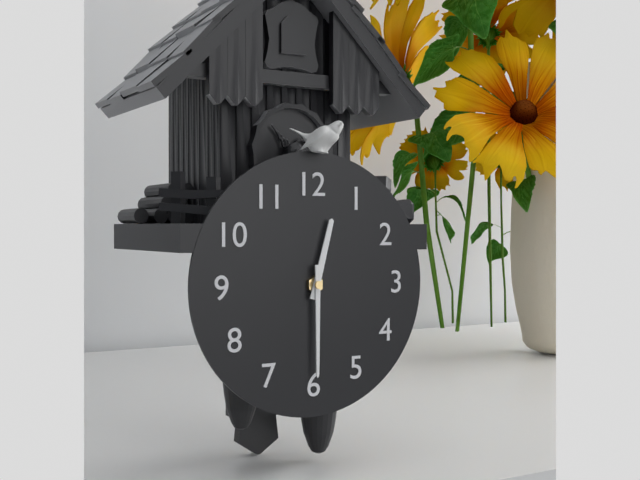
**12:30**
